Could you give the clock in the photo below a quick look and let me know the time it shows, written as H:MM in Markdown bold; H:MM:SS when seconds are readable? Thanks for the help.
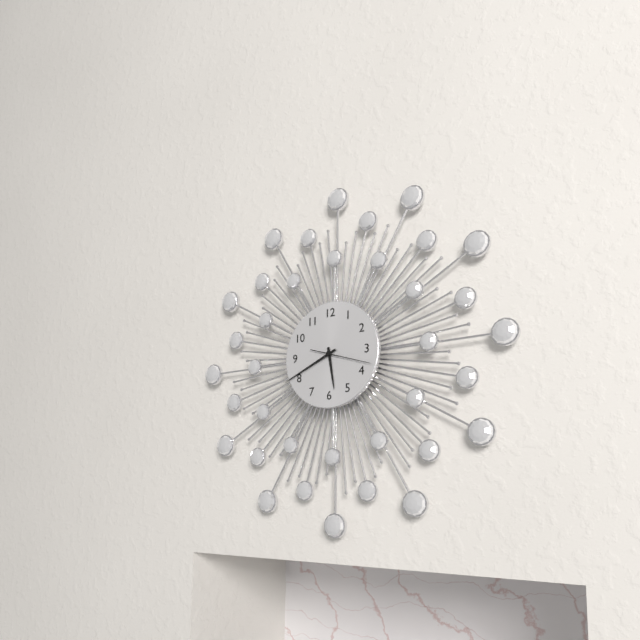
**5:41:18**
